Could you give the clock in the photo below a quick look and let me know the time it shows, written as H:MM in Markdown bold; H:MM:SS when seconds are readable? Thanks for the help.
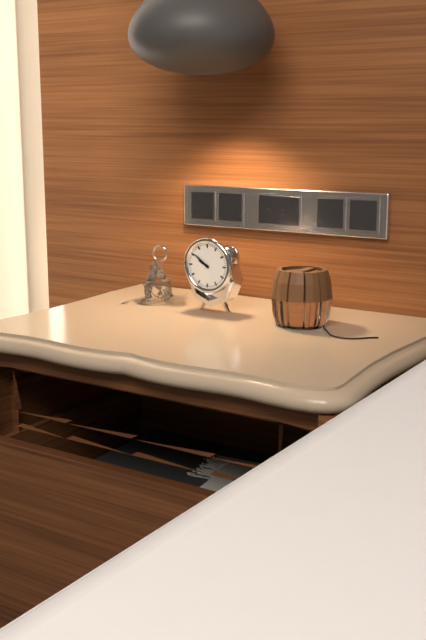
**9:51**
